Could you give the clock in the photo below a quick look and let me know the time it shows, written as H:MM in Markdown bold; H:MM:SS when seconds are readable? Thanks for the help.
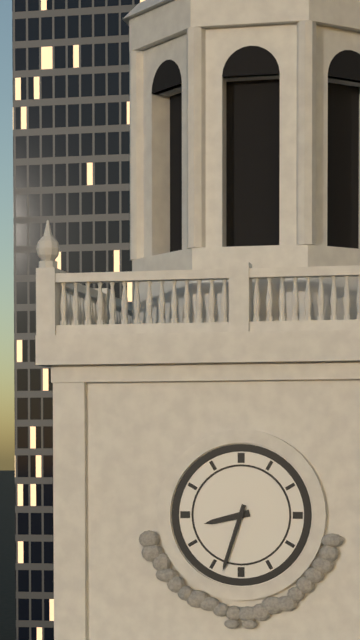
**8:33**
